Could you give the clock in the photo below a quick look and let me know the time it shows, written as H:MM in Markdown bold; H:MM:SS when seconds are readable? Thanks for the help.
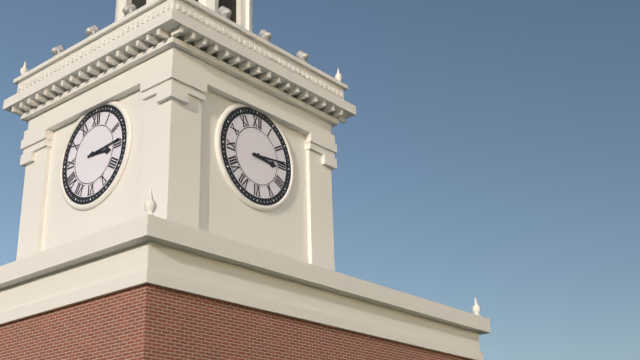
**3:14**
